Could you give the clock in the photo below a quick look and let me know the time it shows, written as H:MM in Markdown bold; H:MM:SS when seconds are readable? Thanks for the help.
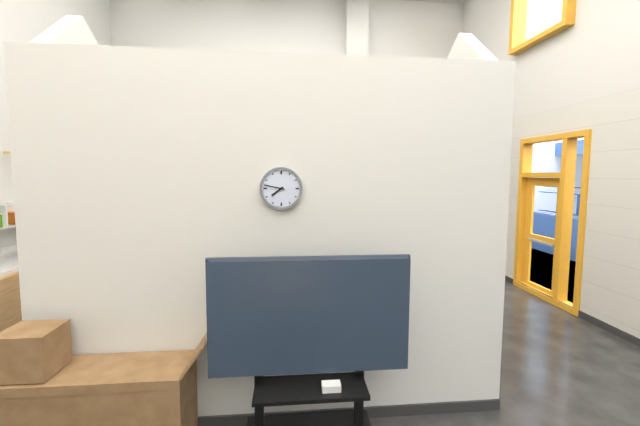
**7:47**
